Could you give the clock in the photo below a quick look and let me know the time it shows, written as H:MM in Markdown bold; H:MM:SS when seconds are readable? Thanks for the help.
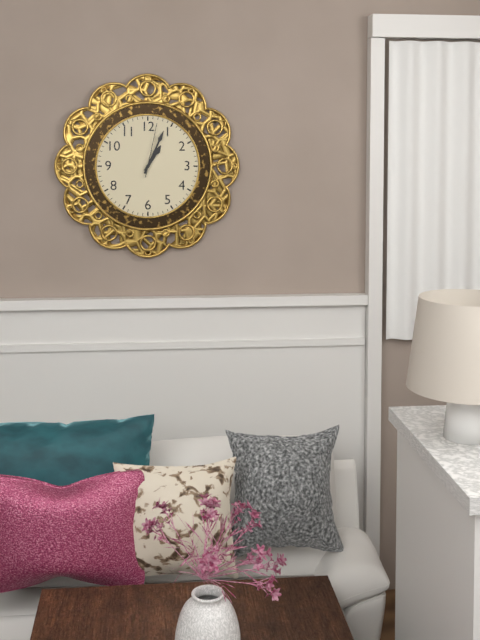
**1:04:02**
